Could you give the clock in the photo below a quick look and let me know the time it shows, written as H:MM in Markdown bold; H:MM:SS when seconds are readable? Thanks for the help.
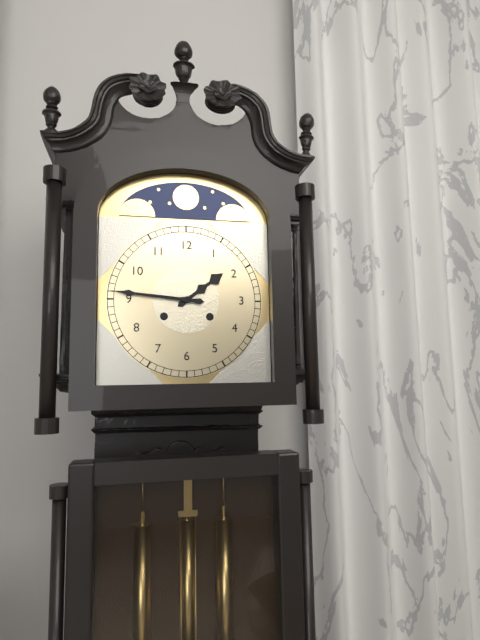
**1:46**
